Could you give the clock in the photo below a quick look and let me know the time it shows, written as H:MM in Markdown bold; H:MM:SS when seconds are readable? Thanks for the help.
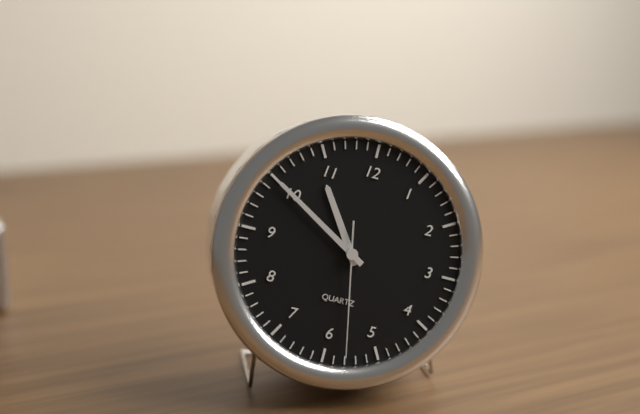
**10:50:28**
